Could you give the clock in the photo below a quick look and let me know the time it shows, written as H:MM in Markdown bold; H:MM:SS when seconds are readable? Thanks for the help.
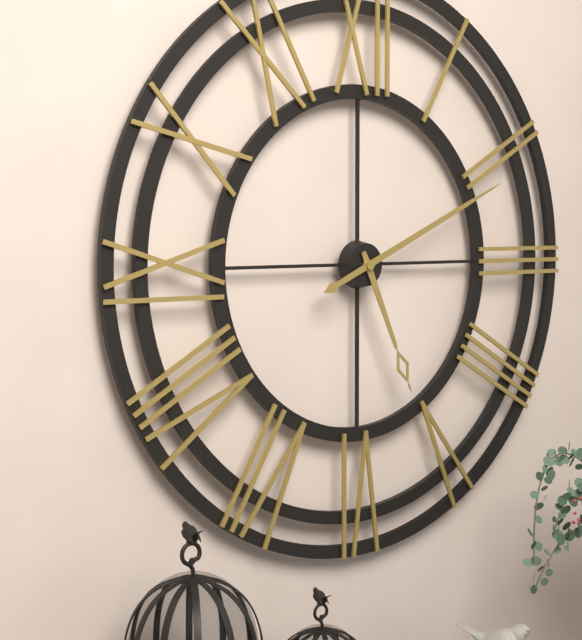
**5:11**
